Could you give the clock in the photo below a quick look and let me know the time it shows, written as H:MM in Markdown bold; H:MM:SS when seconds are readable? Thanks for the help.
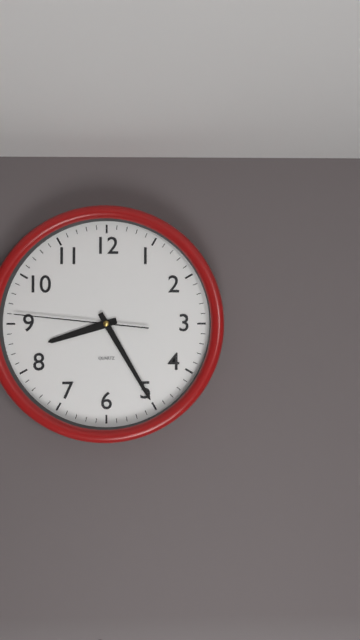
**8:25:46**
